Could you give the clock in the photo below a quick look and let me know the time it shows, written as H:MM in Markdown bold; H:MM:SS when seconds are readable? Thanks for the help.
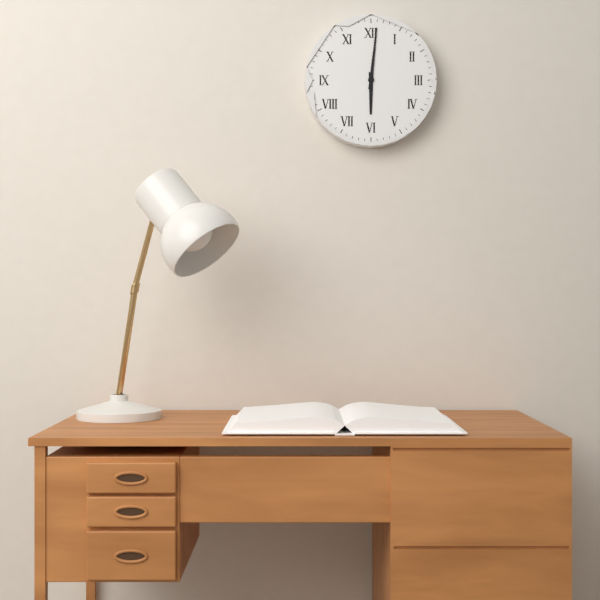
**6:01**
